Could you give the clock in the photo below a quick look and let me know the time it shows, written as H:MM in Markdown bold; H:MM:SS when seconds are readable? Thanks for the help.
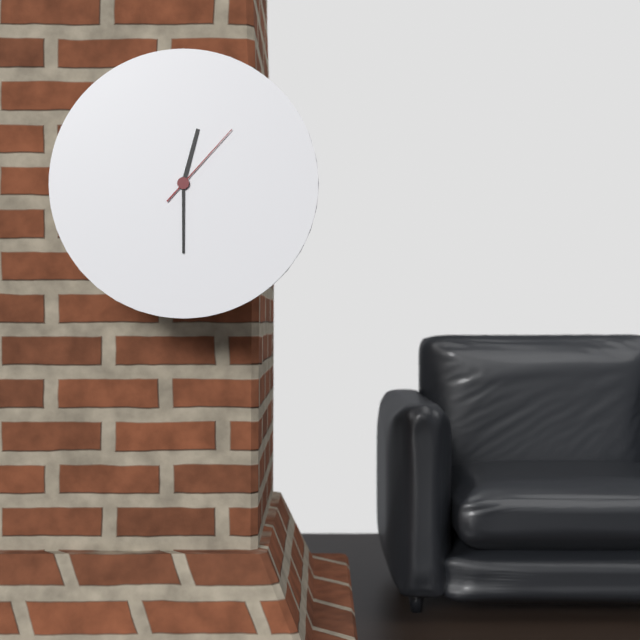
**12:30:07**
